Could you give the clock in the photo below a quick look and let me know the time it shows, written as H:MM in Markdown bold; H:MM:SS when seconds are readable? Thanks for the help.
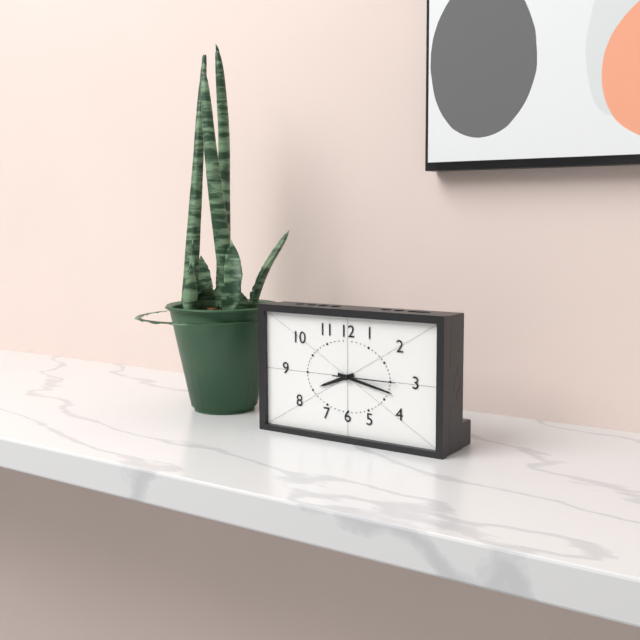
**8:17:15**
